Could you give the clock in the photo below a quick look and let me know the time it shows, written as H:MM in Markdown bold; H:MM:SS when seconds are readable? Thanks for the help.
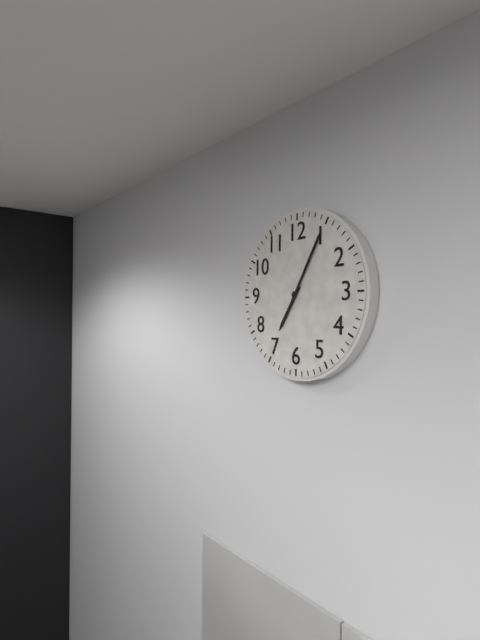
**7:05**
